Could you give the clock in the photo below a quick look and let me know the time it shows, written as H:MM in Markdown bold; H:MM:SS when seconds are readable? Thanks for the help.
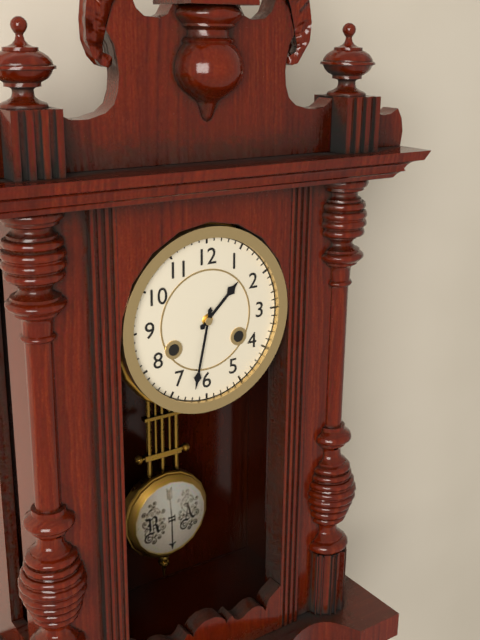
**1:32**
